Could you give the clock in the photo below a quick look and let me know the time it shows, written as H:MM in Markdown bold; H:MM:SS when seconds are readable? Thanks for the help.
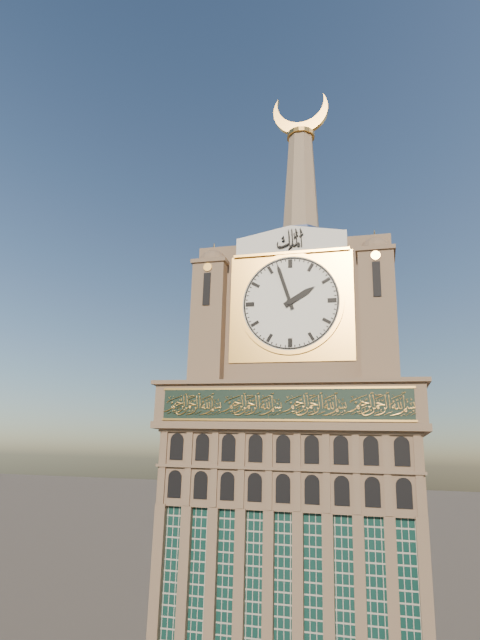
**1:57**
